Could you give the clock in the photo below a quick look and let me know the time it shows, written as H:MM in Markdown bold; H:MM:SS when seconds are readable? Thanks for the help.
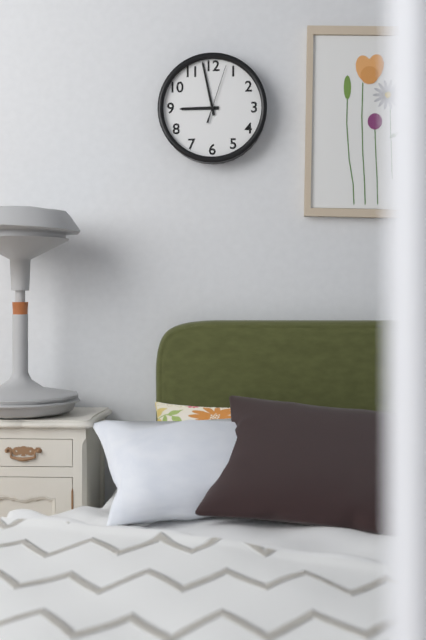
**8:58:03**
